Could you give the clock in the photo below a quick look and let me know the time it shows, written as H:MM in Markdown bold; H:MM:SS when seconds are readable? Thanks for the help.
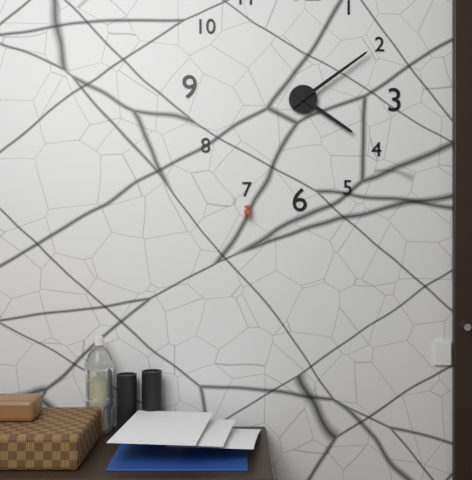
**4:09**
